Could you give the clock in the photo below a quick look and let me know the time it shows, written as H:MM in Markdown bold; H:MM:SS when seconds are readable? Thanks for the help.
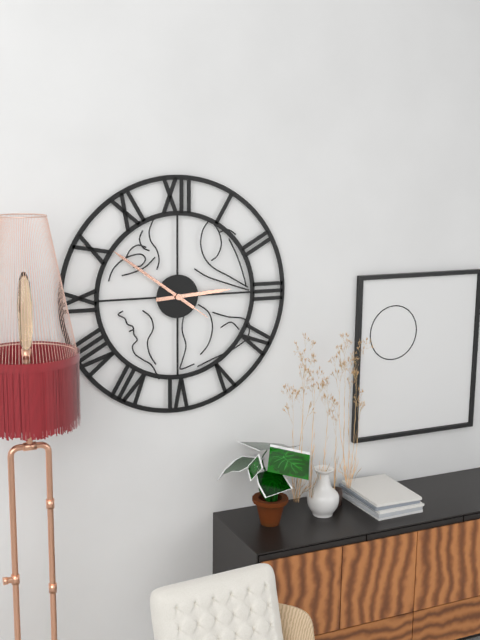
**2:51**
